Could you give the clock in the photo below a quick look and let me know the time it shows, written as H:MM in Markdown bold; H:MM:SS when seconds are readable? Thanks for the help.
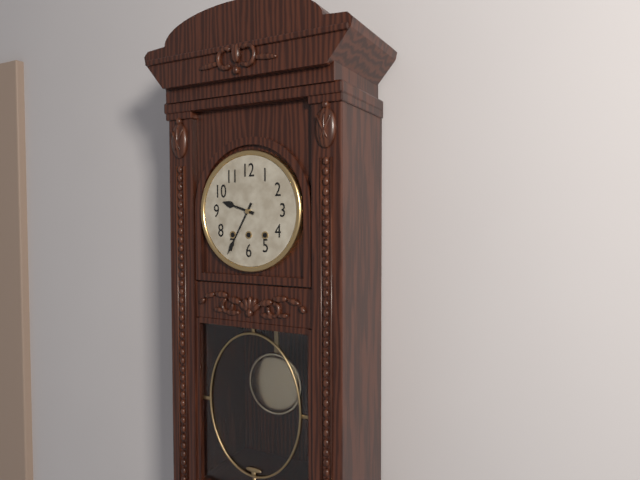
**9:35**
